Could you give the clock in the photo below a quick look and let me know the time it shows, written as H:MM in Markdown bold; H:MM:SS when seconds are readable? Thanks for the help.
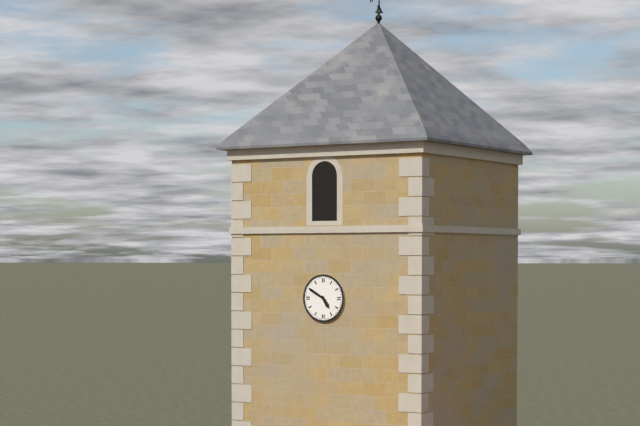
**4:50**
